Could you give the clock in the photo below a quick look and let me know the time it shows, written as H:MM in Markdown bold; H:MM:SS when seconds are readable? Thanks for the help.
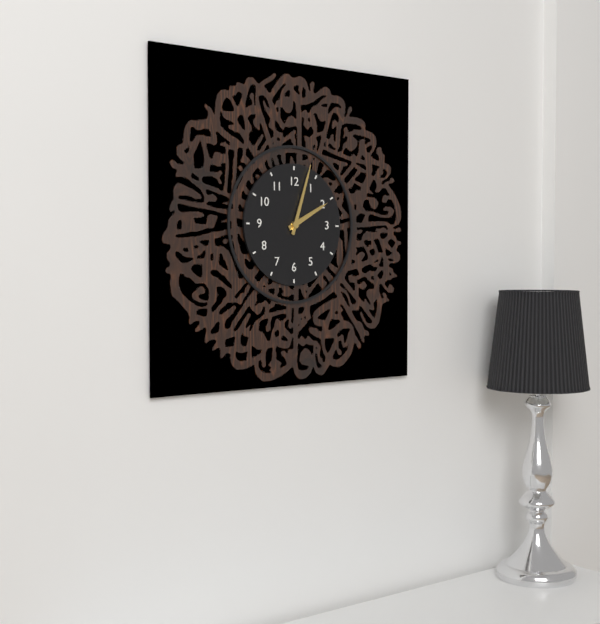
**2:03**
